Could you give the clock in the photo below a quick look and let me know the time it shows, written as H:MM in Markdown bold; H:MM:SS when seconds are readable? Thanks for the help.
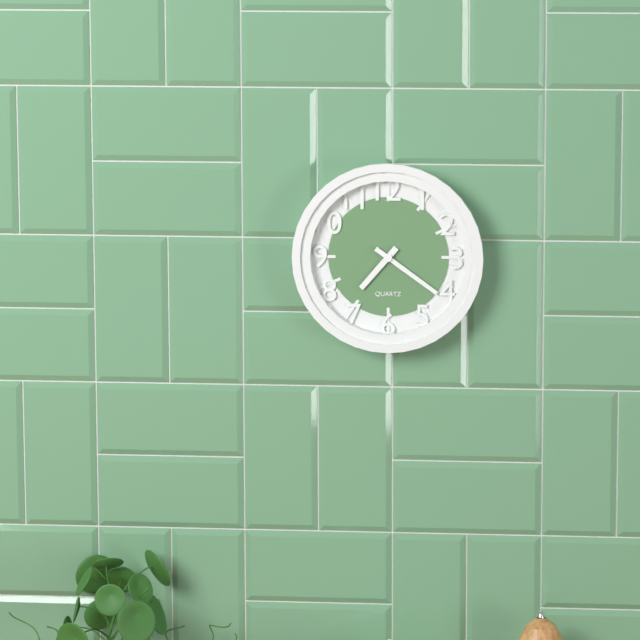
**7:21**
